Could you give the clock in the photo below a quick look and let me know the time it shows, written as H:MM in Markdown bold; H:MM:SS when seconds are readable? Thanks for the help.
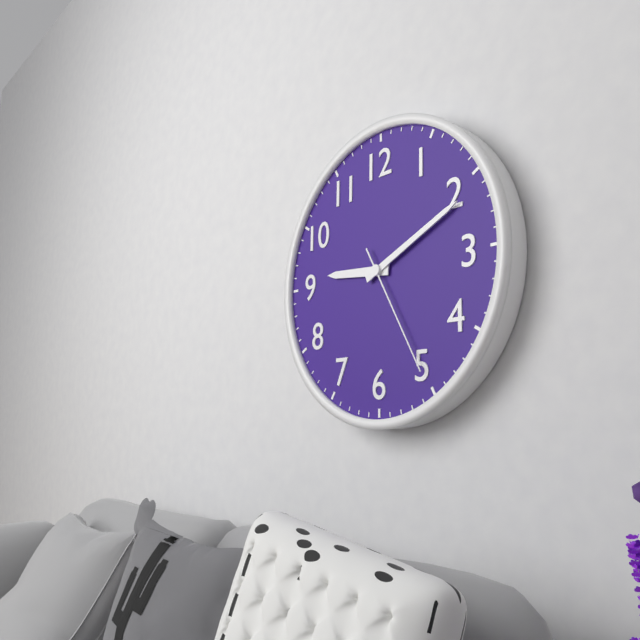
**9:11:25**
